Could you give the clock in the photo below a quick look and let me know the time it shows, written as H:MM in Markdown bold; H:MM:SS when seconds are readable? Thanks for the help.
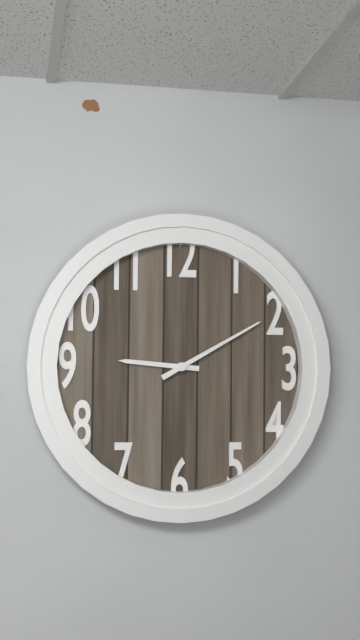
**9:10**
